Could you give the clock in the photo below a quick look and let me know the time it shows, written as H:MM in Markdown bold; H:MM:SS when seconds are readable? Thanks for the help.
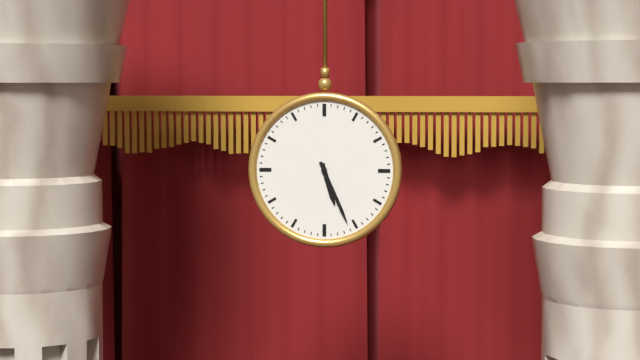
**5:26**
